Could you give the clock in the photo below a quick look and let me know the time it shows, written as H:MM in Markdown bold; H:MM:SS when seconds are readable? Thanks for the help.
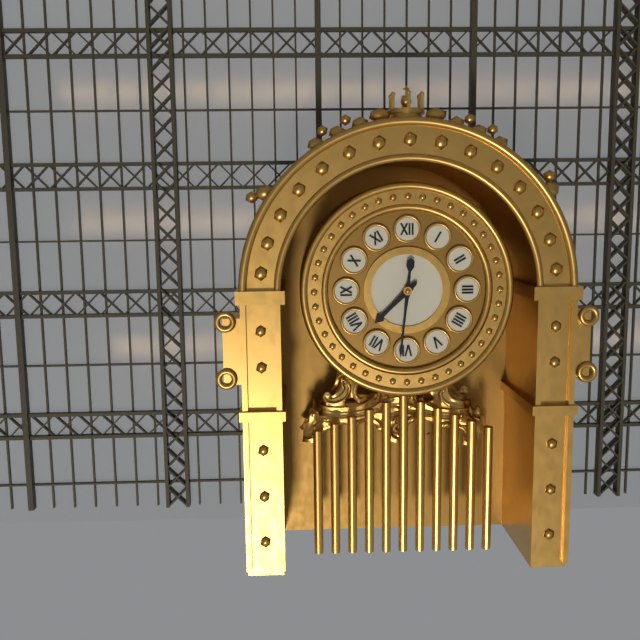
**7:31**
